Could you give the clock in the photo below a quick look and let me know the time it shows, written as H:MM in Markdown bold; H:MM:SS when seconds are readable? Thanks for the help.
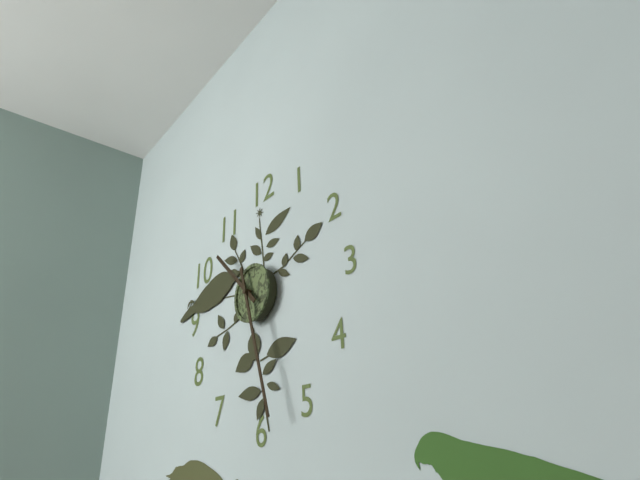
**10:27**
